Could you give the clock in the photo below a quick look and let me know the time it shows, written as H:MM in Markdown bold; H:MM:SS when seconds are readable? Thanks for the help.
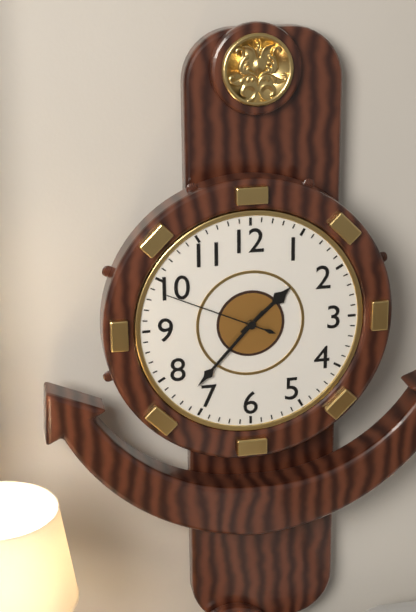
**1:37:49**
